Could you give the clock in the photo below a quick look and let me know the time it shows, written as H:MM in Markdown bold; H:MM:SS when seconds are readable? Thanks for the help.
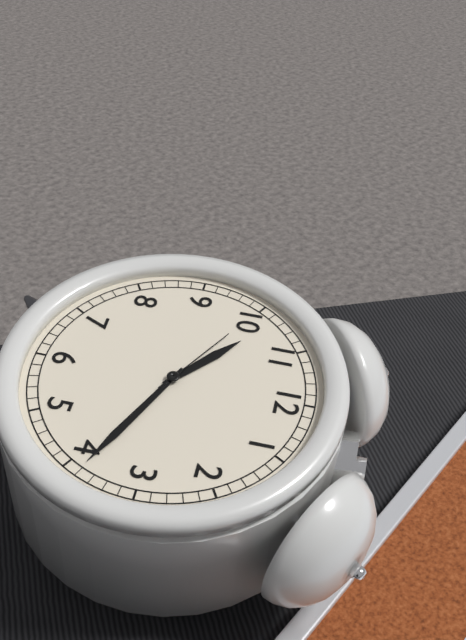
**10:19:50**
